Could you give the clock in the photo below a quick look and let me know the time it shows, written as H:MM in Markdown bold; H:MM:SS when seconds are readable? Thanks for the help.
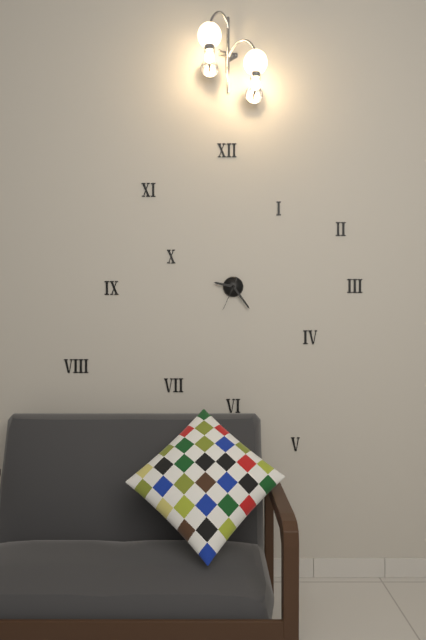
**9:24**
